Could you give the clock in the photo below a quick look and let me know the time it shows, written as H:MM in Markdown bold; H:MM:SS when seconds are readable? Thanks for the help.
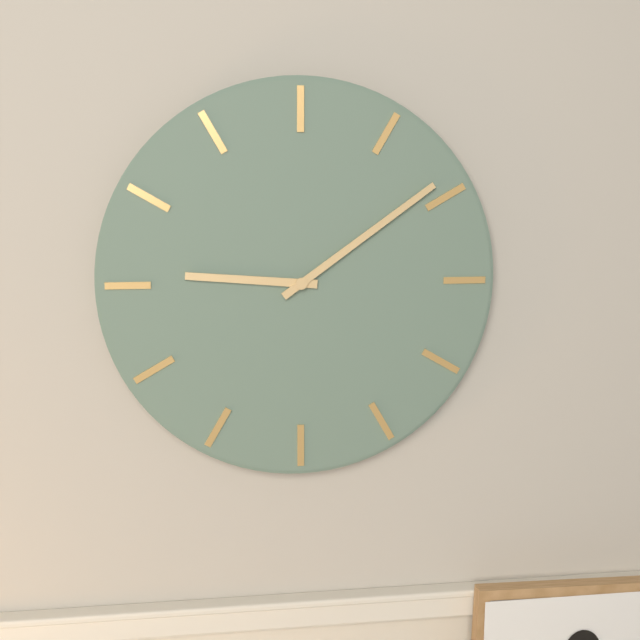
**9:09**
